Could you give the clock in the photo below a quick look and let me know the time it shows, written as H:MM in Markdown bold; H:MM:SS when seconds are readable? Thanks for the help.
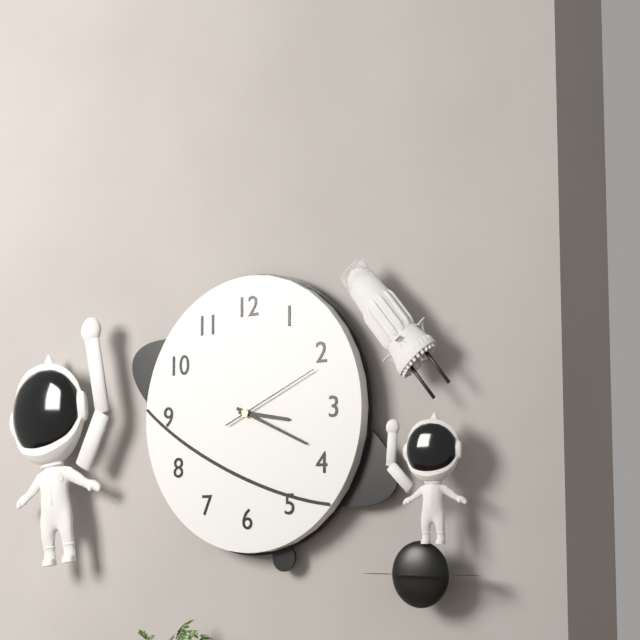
**3:19:11**
